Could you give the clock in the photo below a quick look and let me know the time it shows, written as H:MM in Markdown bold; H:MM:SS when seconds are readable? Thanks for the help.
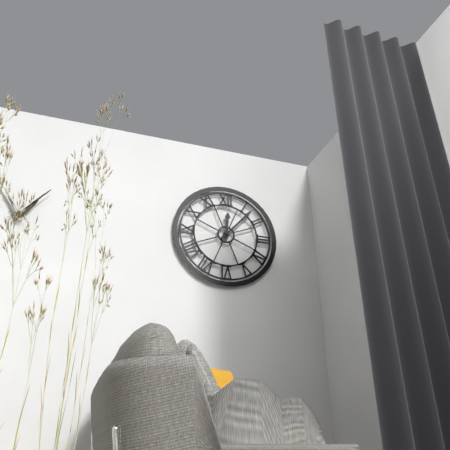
**12:07**
